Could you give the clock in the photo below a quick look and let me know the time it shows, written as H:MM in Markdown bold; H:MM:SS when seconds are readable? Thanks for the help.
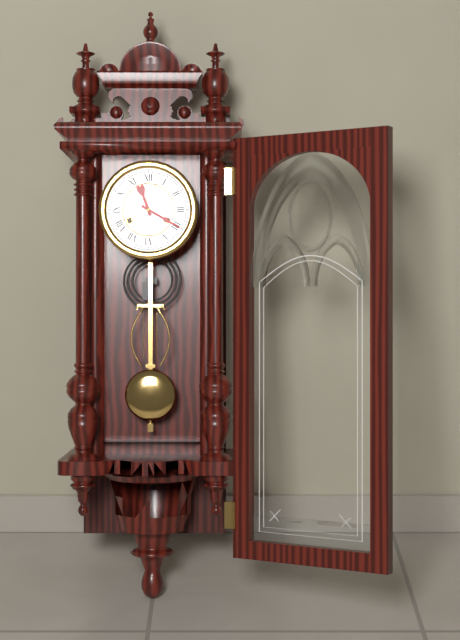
**11:20**
